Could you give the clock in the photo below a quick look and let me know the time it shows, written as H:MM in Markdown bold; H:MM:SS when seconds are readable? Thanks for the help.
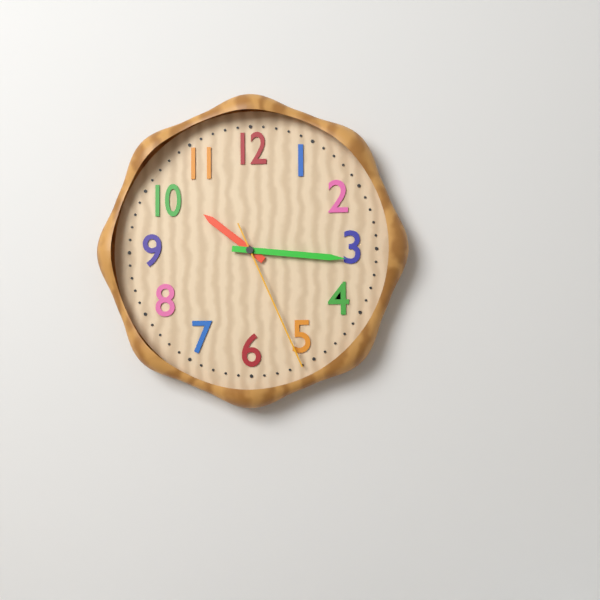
**10:16:26**
